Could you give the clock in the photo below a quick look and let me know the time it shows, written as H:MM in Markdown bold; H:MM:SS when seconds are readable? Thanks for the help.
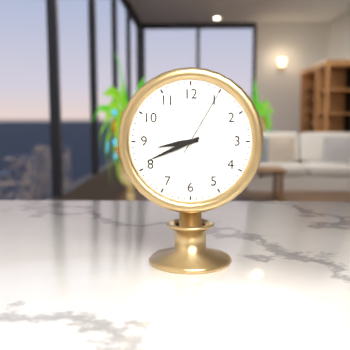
**8:41:05**
